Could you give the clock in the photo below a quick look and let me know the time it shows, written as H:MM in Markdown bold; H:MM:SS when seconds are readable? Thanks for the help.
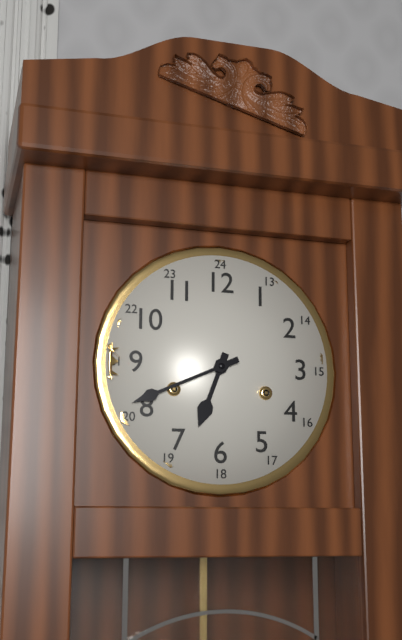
**6:41**
